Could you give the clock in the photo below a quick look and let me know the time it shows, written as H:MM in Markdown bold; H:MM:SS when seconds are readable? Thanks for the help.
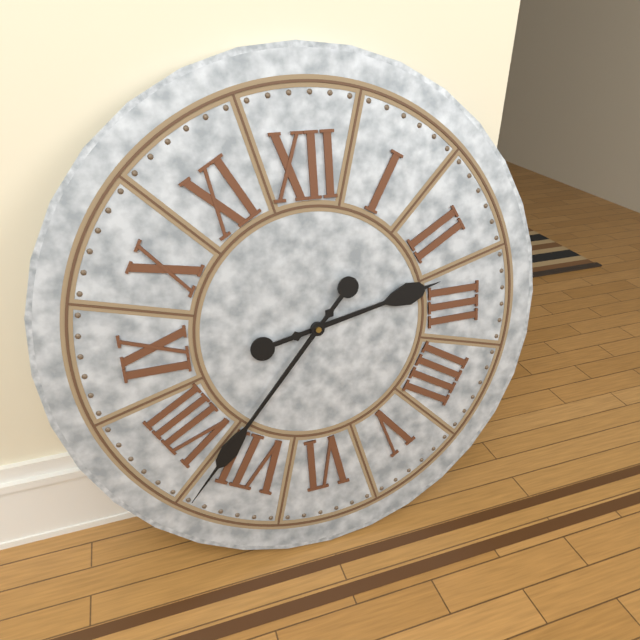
**2:37**
